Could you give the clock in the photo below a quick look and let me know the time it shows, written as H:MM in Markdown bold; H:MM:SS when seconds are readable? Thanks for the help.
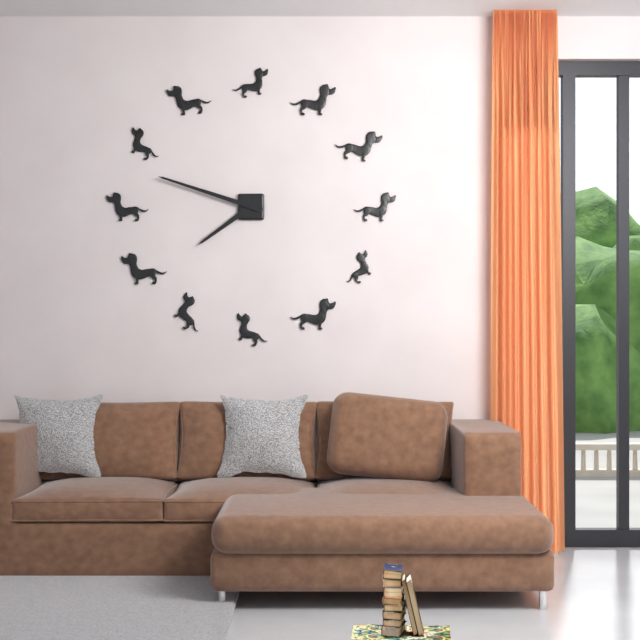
**7:48**
